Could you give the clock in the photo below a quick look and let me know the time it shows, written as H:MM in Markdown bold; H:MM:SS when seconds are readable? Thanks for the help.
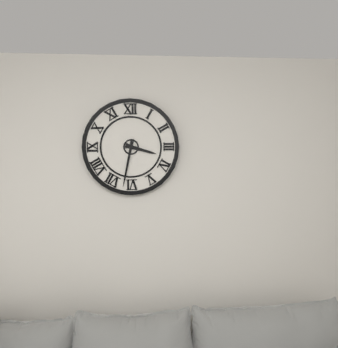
**3:32**
